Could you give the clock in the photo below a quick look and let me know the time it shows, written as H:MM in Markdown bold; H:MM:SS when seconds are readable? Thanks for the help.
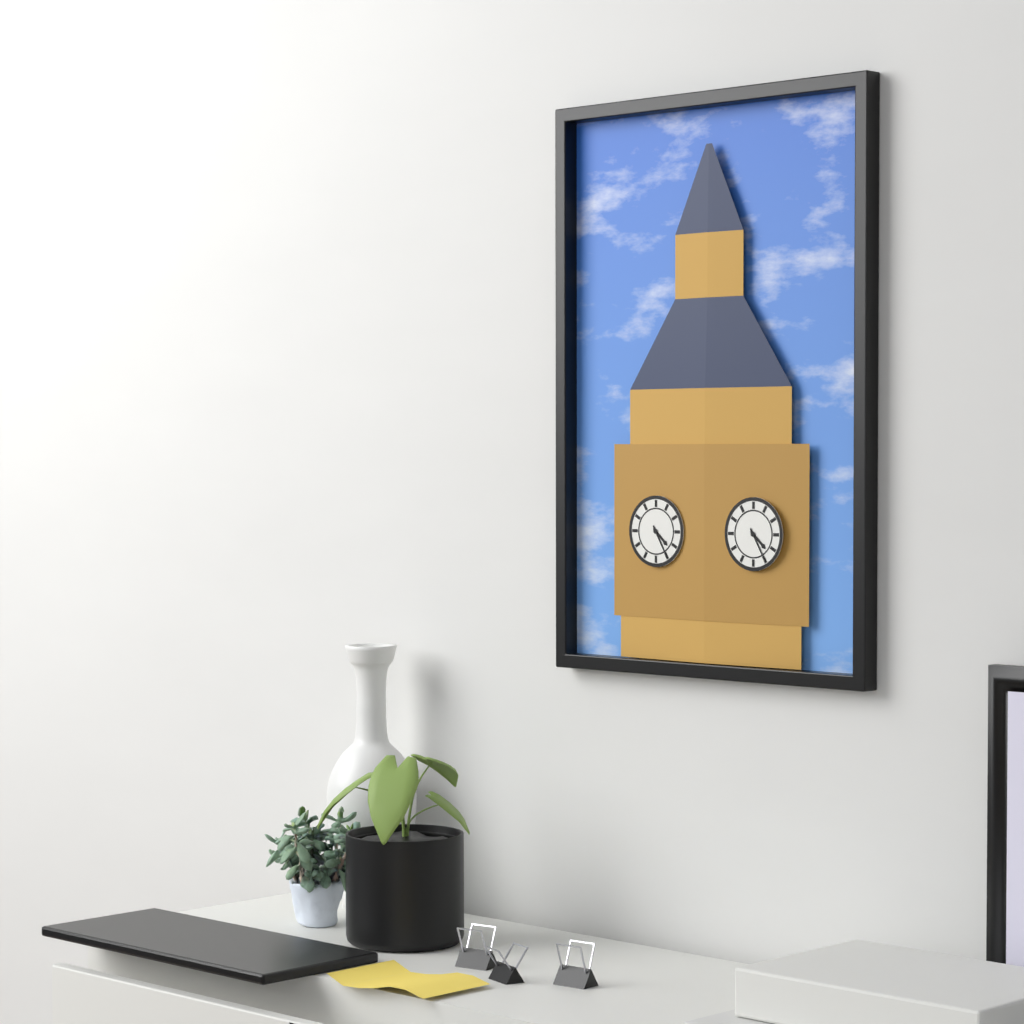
**4:25**
